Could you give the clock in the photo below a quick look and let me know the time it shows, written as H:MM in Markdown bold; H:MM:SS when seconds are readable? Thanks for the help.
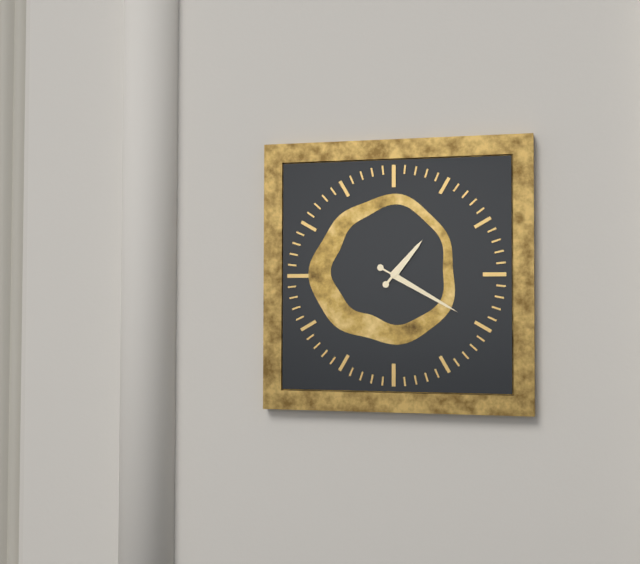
**1:20**
